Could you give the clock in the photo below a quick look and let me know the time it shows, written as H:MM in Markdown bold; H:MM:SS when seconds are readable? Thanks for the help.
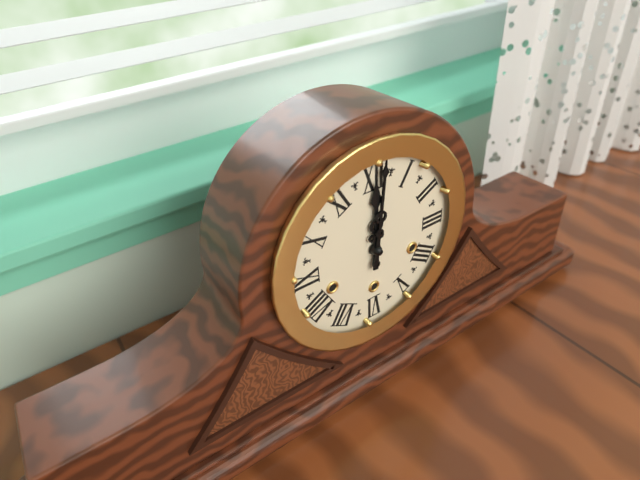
**12:01**
